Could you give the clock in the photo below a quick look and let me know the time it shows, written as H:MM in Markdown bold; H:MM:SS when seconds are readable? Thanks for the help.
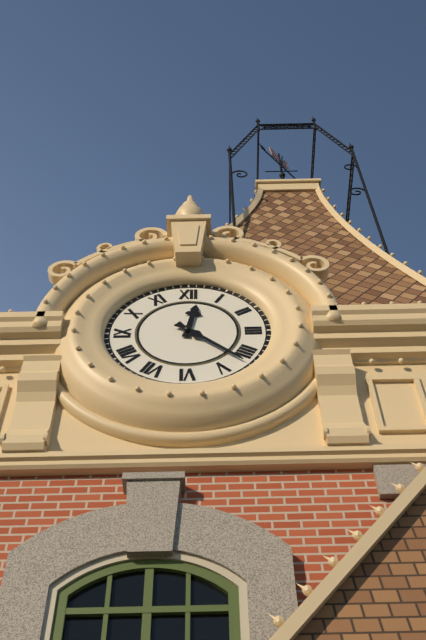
**12:22**
